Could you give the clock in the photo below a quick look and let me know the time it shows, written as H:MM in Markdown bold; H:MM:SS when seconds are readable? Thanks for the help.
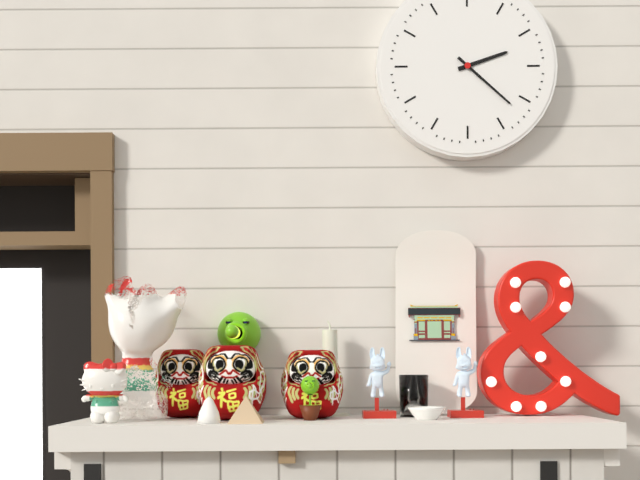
**2:22**
